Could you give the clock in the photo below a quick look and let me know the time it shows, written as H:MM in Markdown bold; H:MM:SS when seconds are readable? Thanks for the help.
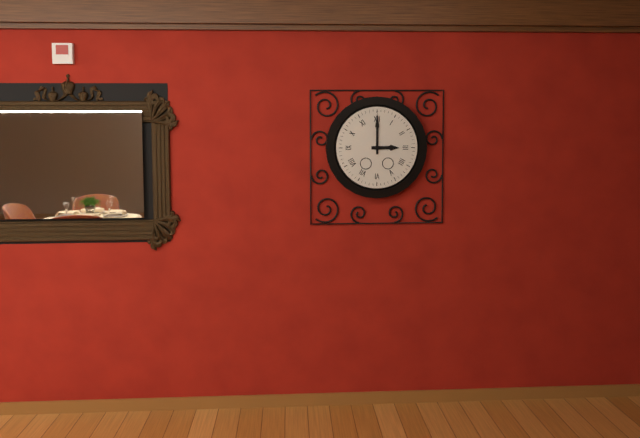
**3:00**
